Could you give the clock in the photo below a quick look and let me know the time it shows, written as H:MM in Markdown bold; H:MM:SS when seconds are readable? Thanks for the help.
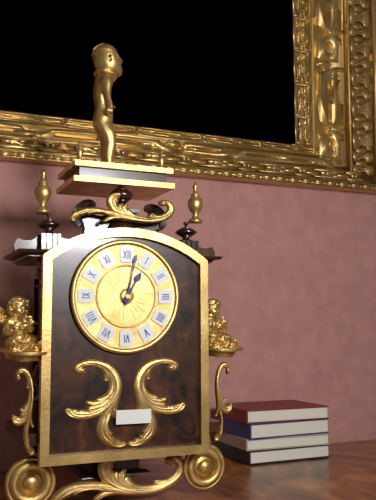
**1:02**
